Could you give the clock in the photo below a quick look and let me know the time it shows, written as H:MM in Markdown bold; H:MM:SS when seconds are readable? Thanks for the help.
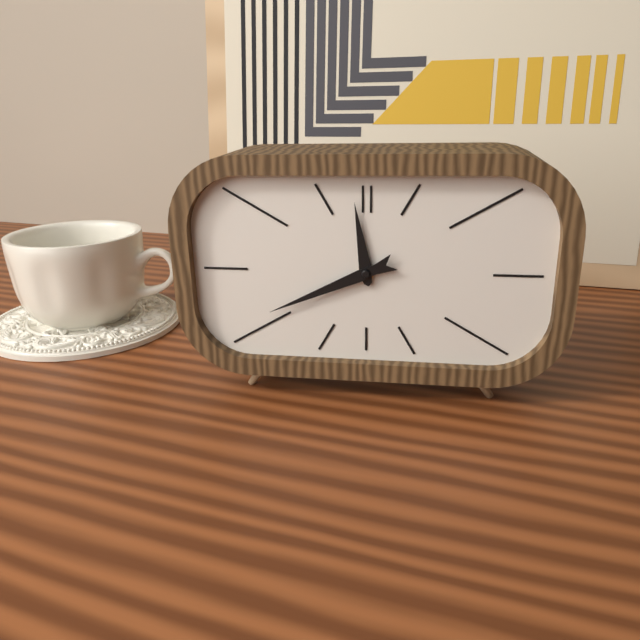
**11:41**
